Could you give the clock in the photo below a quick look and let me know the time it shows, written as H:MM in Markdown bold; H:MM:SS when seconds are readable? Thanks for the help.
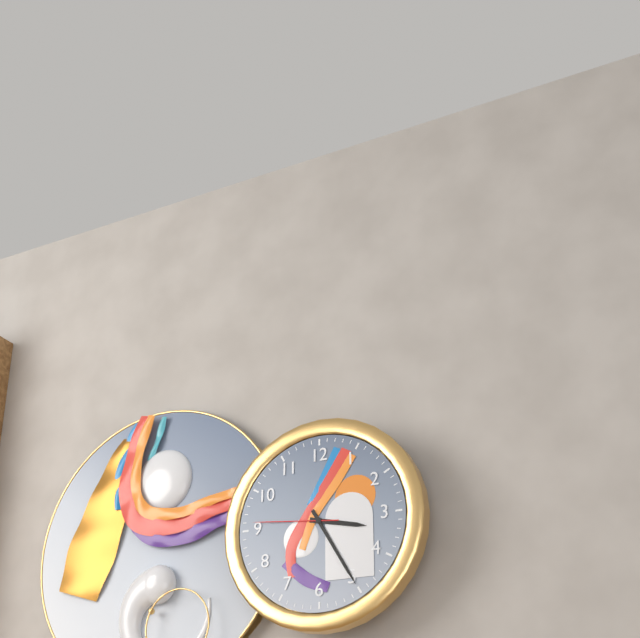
**3:25:46**
